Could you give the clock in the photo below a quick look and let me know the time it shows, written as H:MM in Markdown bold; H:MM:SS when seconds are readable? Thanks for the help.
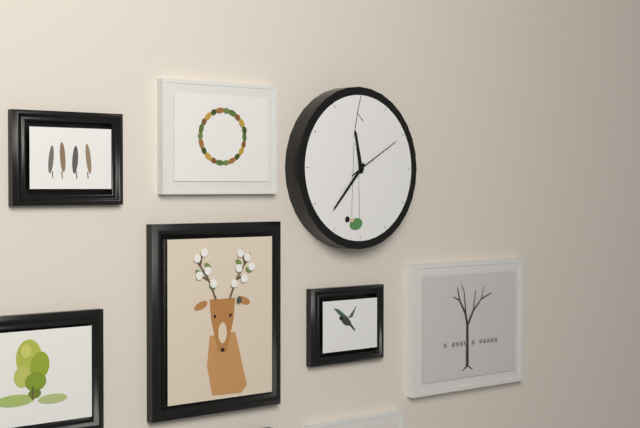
**11:37:10**
